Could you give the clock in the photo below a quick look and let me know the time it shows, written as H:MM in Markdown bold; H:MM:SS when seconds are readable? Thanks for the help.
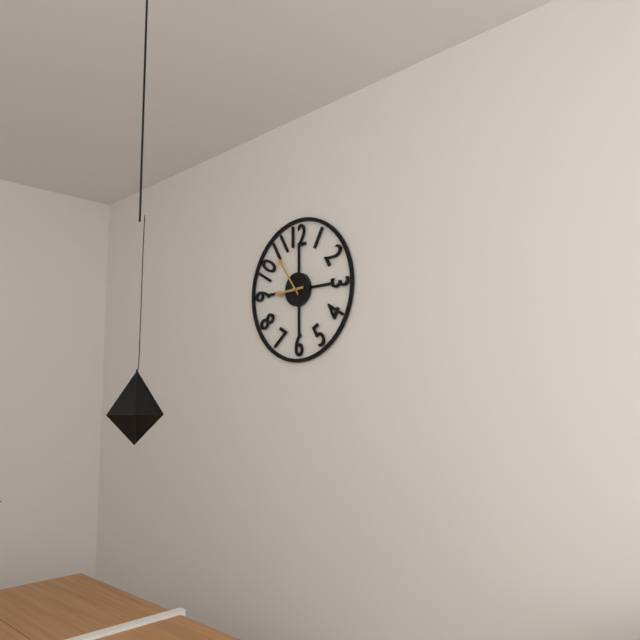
**8:54**
